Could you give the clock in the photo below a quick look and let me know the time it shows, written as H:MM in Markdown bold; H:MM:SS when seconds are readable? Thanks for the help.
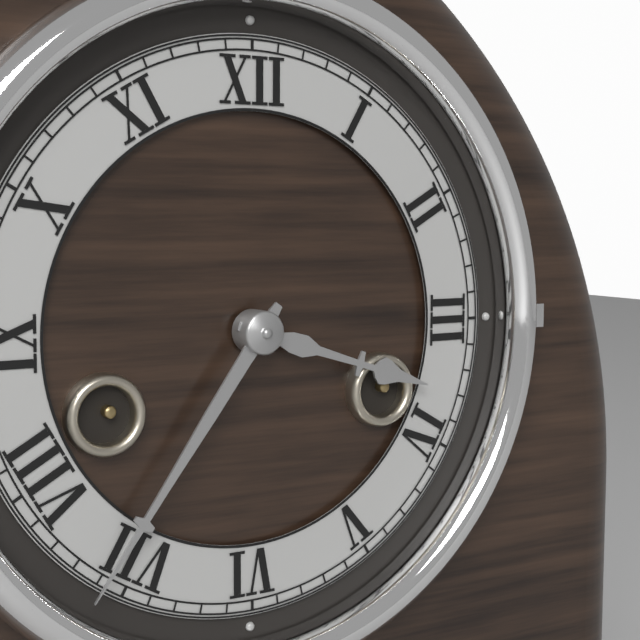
**3:36**
